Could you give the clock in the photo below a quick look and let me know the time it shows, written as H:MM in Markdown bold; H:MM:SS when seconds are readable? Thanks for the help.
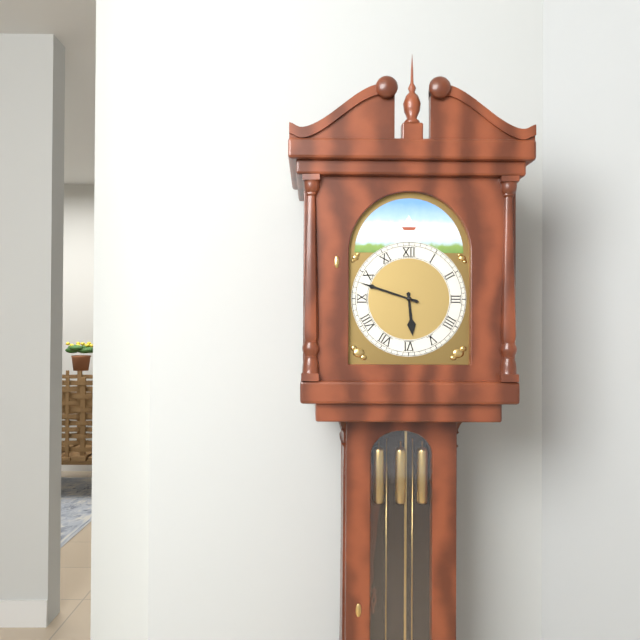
**5:48**
